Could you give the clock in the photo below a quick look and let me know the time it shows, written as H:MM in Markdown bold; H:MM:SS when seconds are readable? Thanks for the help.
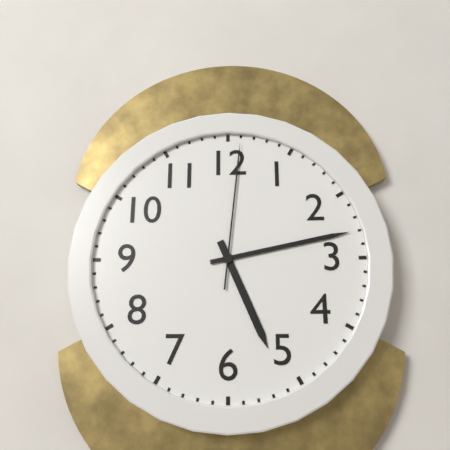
**5:13:01**
